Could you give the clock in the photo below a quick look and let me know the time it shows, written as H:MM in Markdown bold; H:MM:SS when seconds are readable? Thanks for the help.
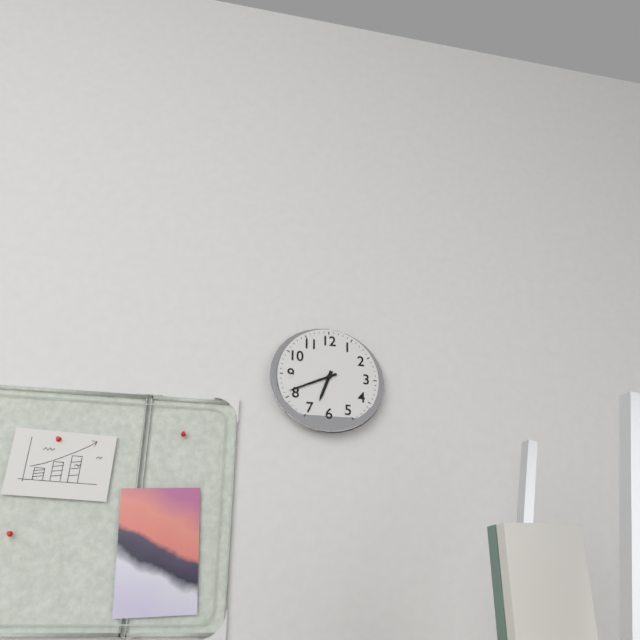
**6:41**
